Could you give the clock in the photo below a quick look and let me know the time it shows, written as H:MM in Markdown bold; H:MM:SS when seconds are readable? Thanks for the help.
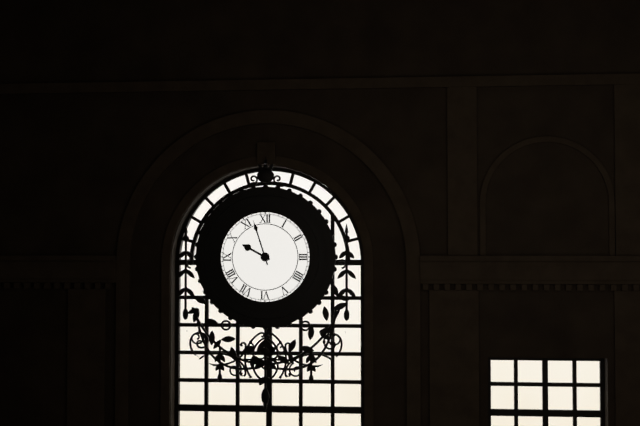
**9:57**
